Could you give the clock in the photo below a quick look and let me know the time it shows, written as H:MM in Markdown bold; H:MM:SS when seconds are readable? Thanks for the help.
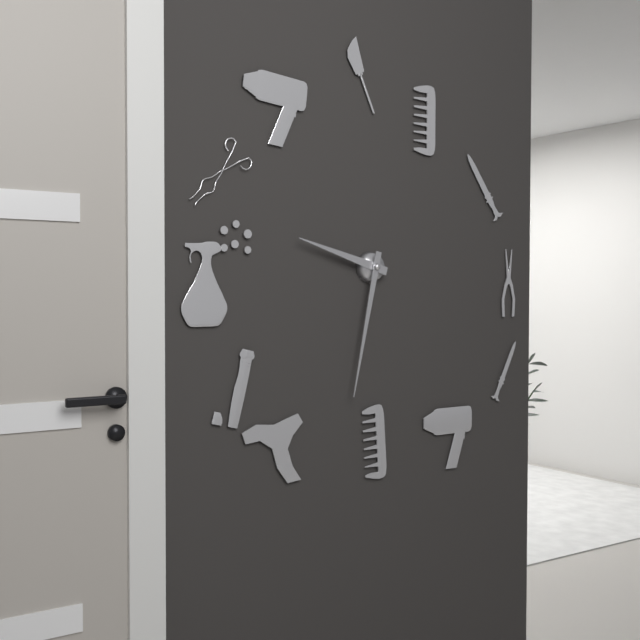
**9:32**
